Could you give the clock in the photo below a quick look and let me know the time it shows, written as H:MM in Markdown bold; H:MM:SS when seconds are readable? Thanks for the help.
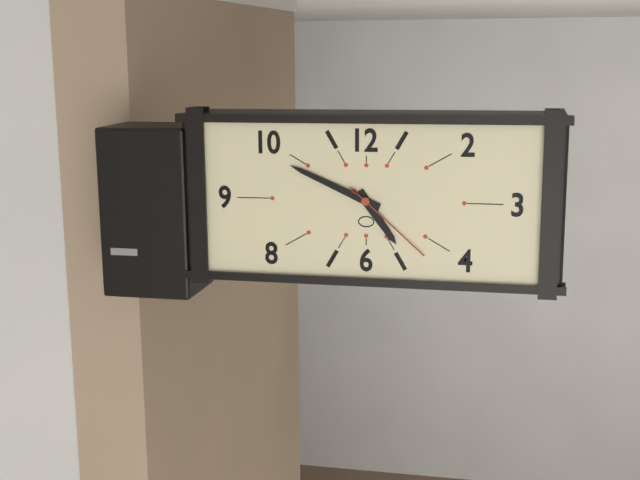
**4:49:22**
